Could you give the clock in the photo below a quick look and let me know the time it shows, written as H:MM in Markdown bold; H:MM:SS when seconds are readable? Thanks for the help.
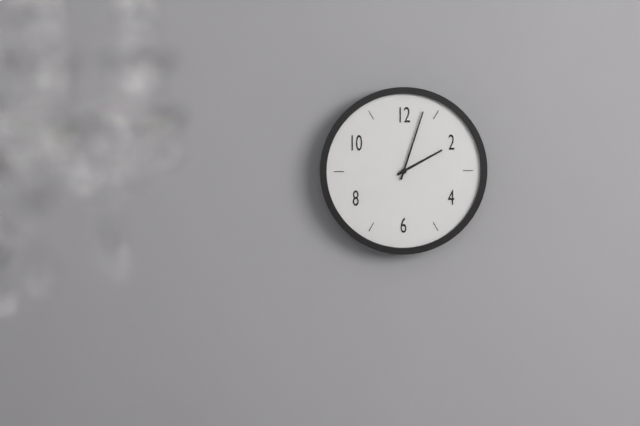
**2:03**
